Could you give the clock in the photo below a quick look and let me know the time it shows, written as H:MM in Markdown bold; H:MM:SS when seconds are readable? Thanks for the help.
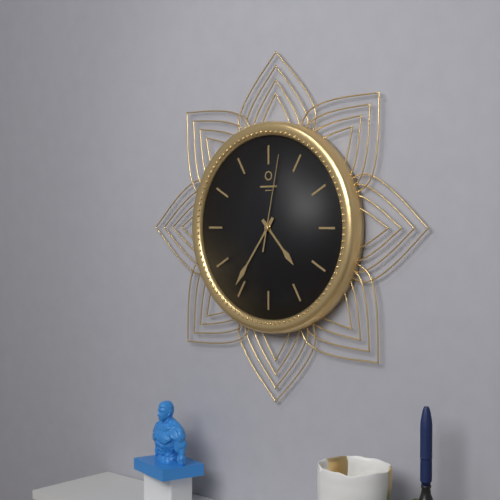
**4:36:02**
